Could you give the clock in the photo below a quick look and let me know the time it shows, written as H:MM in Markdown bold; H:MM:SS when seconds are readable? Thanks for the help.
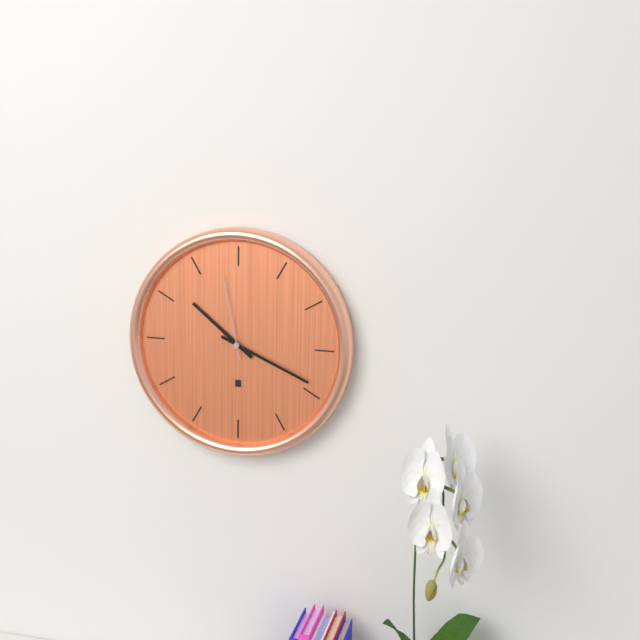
**10:19:58**
